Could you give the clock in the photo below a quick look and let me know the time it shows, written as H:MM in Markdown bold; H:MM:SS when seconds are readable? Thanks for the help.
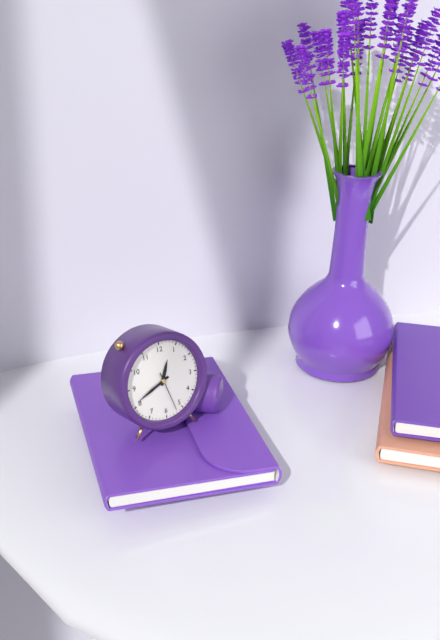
**12:41**
